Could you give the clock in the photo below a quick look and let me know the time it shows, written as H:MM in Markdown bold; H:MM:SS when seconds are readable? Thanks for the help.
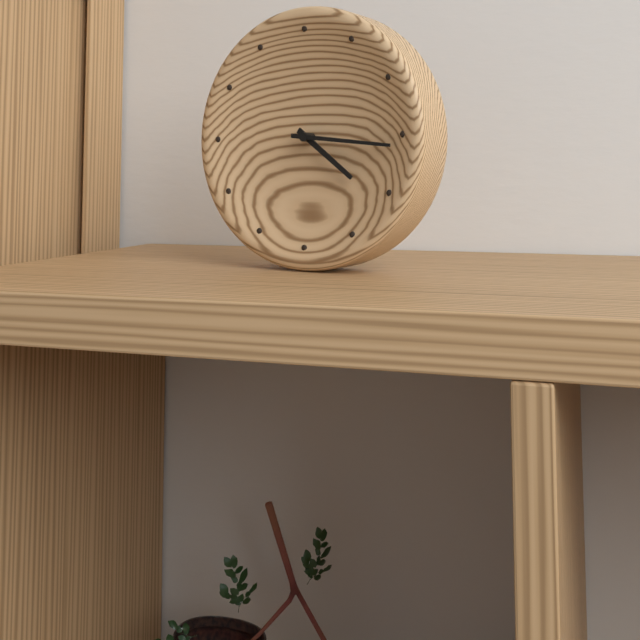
**4:16**
